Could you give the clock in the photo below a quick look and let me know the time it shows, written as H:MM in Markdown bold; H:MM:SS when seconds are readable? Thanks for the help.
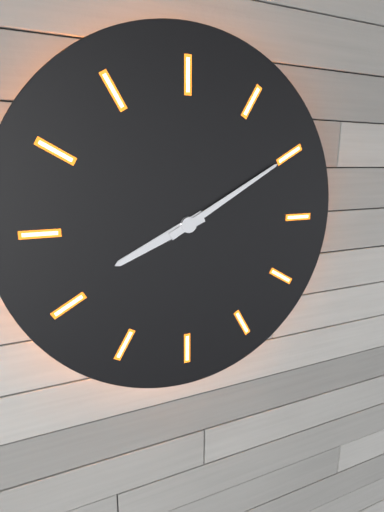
**8:10**
